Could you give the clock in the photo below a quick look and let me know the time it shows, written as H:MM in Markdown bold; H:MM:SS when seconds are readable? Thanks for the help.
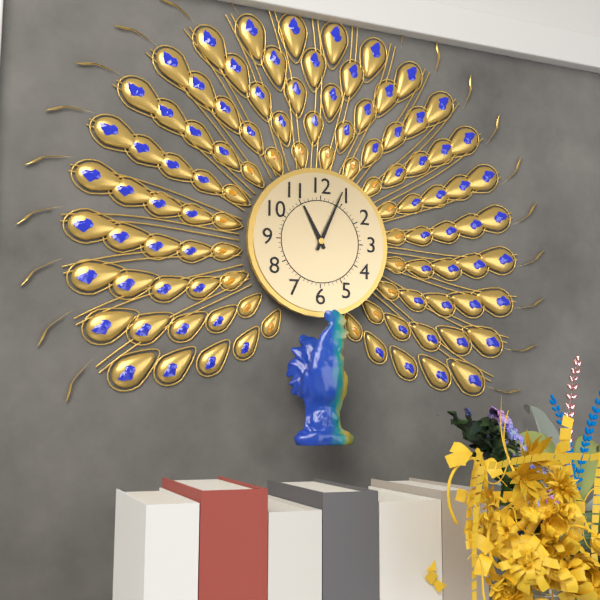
**11:04**
